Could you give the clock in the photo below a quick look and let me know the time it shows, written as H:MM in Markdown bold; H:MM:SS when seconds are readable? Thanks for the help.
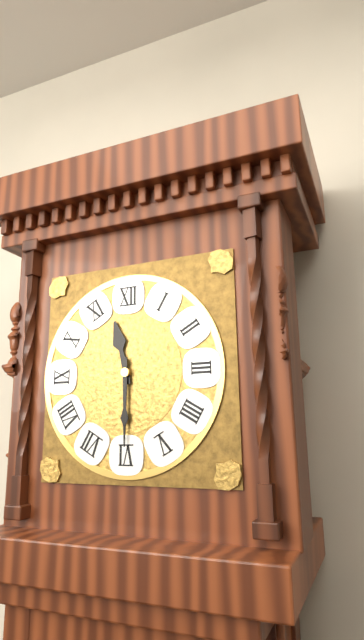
**11:30**
